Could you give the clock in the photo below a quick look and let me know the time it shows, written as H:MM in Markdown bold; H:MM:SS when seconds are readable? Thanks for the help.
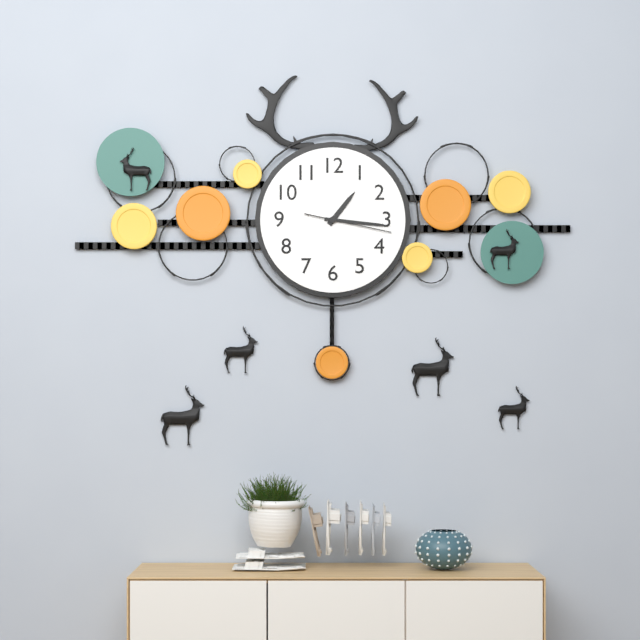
**1:16:17**
